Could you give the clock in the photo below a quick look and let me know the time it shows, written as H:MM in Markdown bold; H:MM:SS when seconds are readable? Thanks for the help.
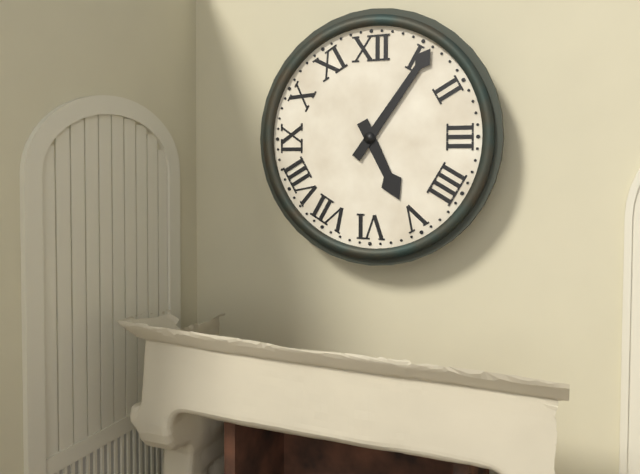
**5:06**
